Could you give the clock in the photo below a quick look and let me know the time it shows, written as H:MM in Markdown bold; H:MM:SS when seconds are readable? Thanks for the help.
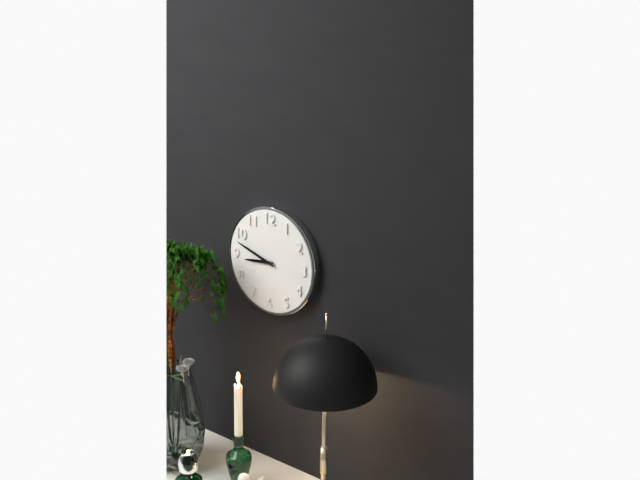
**8:48**
